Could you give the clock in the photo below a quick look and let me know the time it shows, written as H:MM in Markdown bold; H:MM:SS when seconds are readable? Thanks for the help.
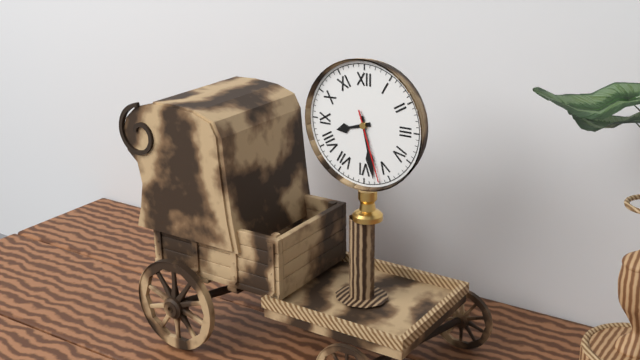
**8:28:27**
